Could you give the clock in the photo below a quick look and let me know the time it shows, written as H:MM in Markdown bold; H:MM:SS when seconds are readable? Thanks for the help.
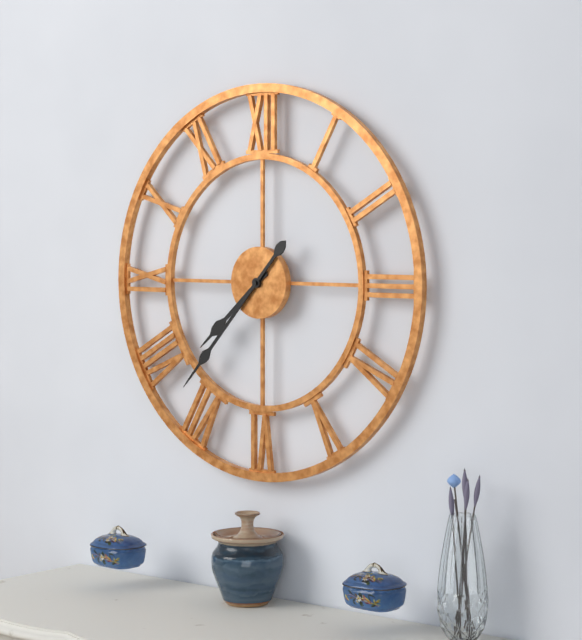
**7:37**
